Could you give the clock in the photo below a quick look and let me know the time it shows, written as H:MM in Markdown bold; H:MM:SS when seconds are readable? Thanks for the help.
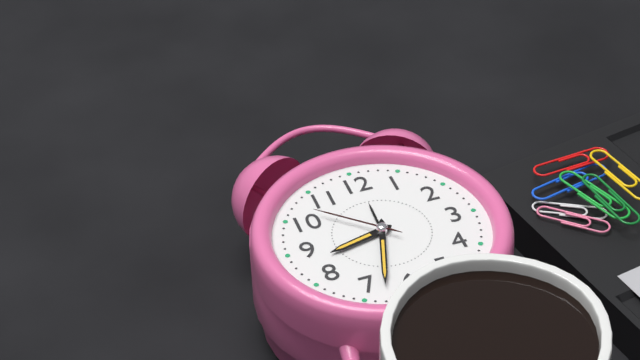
**8:33:52**
